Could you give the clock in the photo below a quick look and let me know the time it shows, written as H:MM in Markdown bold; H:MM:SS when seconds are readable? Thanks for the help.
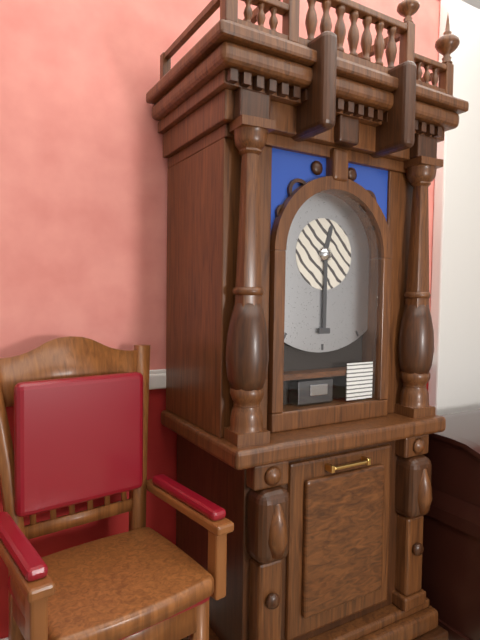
**12:30**
